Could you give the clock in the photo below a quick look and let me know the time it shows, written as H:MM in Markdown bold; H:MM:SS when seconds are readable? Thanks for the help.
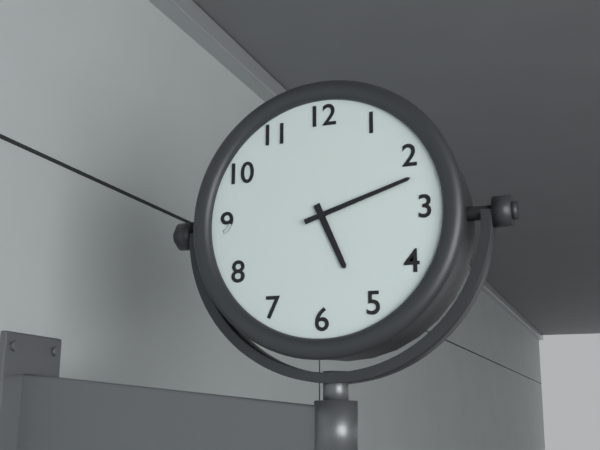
**5:12**
